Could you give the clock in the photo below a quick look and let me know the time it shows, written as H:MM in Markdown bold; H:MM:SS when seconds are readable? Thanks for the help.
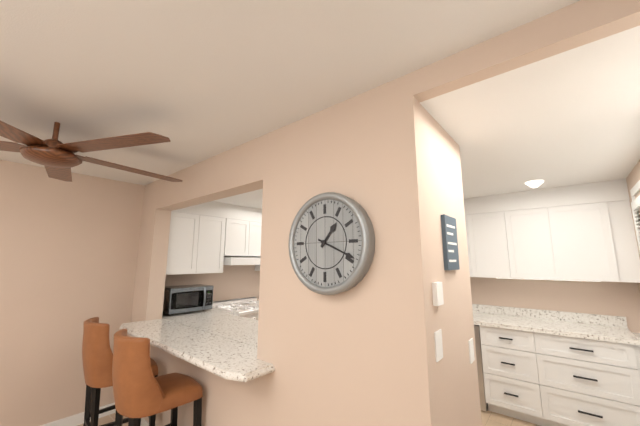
**1:19**
